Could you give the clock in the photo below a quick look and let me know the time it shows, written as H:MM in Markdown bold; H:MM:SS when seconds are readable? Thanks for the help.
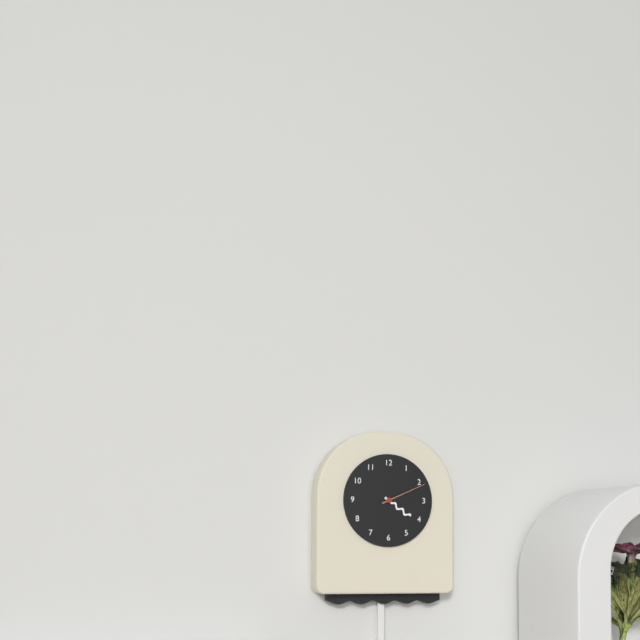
**4:11**
